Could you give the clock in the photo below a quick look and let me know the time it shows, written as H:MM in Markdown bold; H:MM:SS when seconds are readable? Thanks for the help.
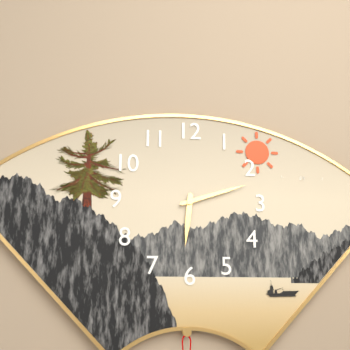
**6:12**
